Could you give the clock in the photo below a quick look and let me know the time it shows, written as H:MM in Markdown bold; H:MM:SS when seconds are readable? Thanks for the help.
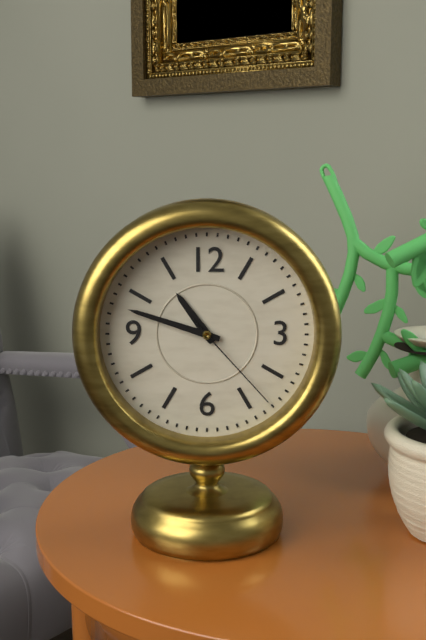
**10:48:23**
